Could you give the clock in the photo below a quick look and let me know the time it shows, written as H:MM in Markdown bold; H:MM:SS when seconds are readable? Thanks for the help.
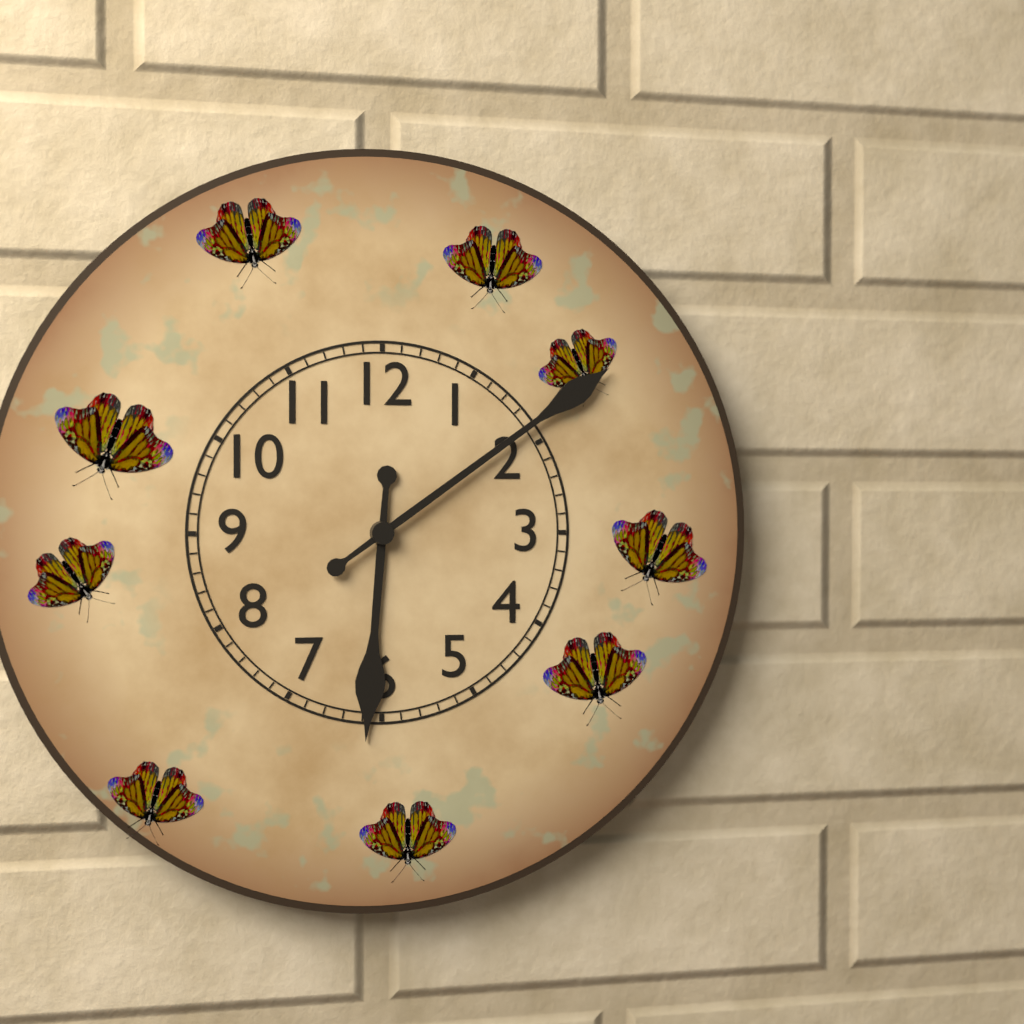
**6:09**
